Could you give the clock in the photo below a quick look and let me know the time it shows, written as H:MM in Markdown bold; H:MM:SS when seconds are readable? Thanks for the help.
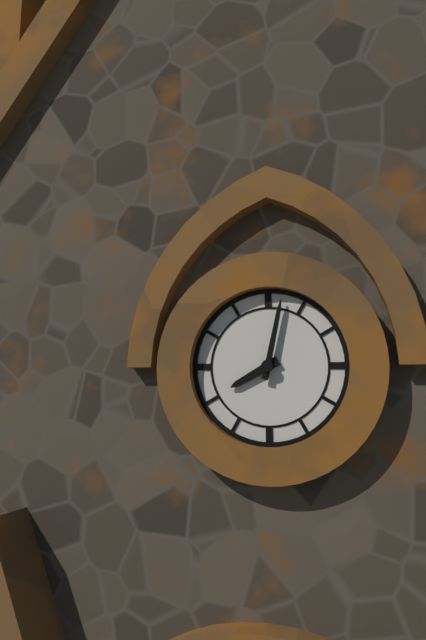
**8:02**
